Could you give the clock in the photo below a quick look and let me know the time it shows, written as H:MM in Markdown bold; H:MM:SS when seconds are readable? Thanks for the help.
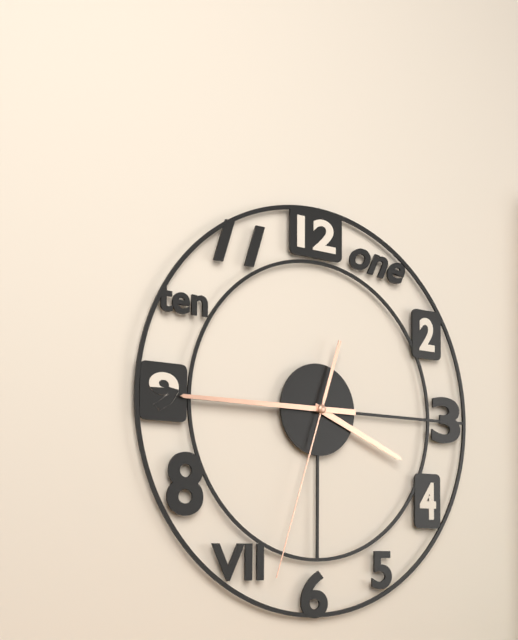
**3:45:33**
